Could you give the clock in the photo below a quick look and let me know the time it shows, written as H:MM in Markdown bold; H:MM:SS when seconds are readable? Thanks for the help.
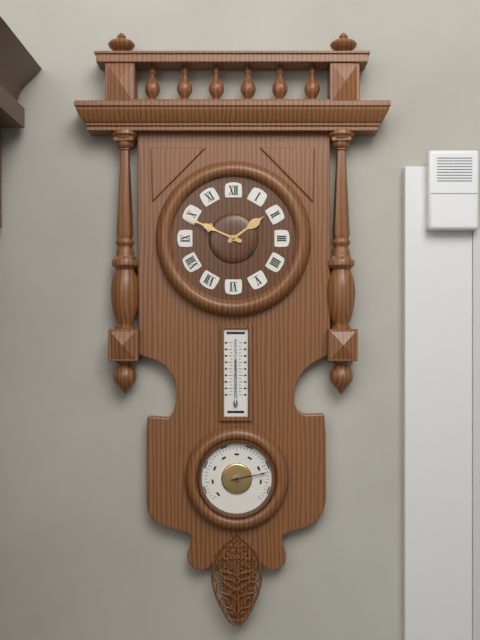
**1:49**
